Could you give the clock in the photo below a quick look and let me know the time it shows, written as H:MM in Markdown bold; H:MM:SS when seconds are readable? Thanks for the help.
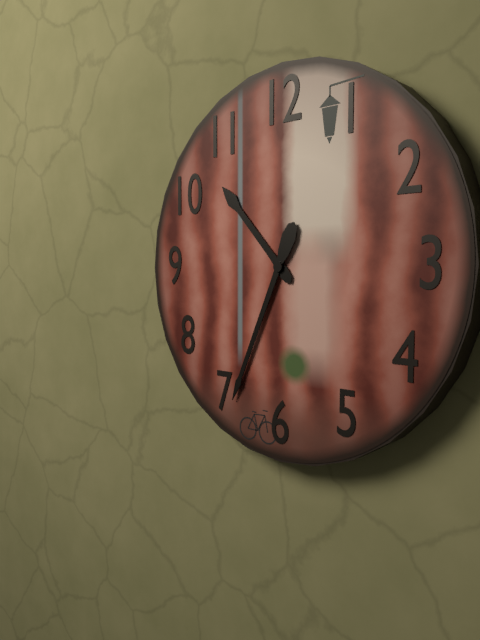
**10:34**
